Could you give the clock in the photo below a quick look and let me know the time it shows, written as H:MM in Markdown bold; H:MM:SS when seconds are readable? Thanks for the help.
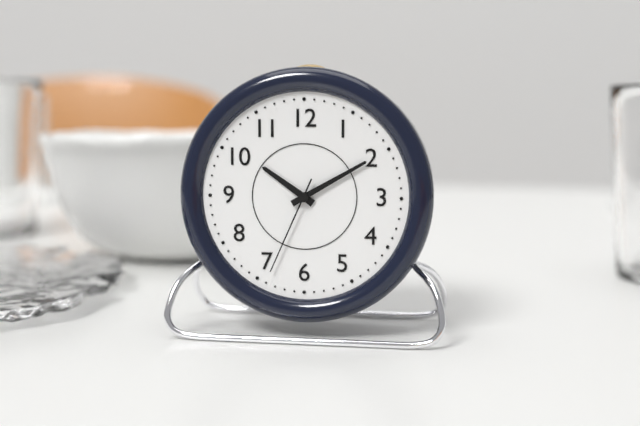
**10:10:34**
